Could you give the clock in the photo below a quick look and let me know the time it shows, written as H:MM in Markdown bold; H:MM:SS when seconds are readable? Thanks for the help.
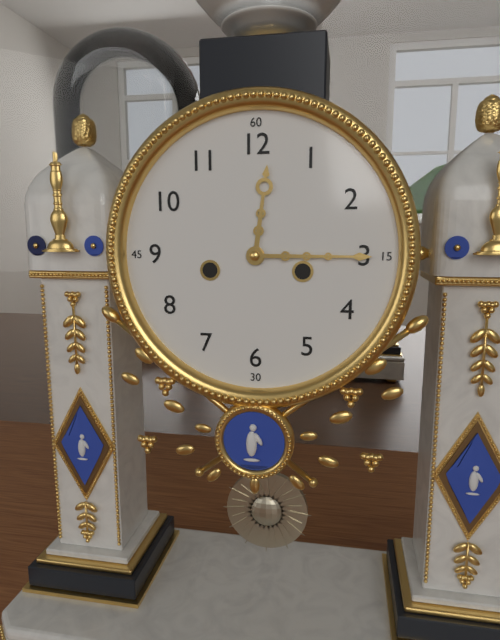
**12:15**
